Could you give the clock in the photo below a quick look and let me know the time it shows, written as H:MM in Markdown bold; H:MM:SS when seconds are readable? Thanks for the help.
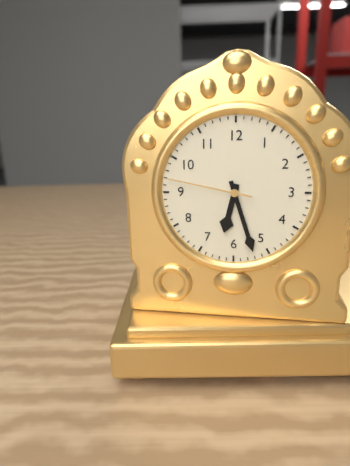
**6:27:47**
